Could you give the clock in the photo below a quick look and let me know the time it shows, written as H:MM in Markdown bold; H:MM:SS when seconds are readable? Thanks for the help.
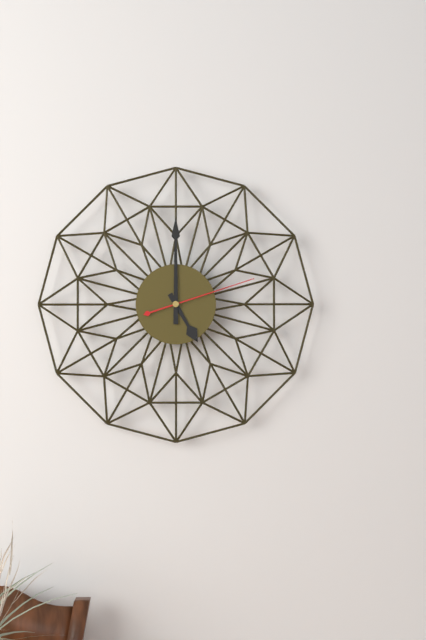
**5:00:12**
